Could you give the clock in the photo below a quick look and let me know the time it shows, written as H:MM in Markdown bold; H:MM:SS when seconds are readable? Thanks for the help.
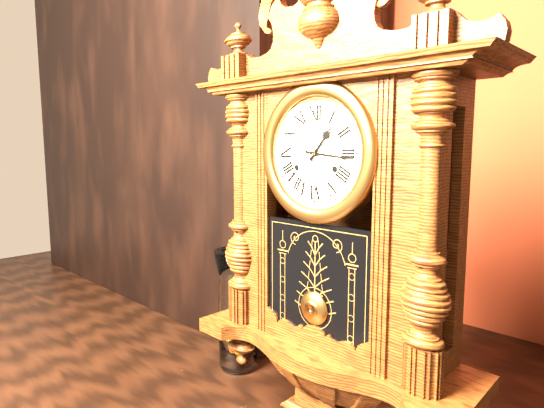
**1:16**
